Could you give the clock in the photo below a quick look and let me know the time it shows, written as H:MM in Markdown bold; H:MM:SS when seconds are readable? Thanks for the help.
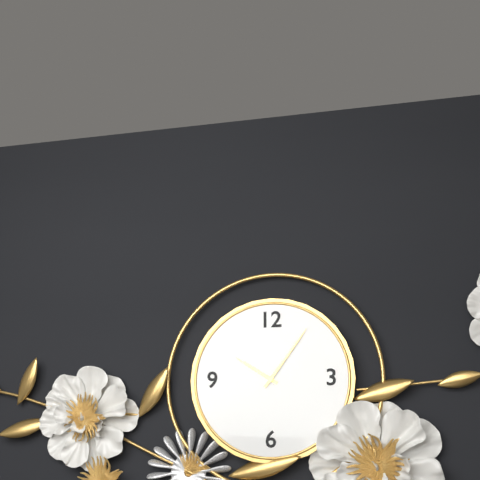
**10:06**
